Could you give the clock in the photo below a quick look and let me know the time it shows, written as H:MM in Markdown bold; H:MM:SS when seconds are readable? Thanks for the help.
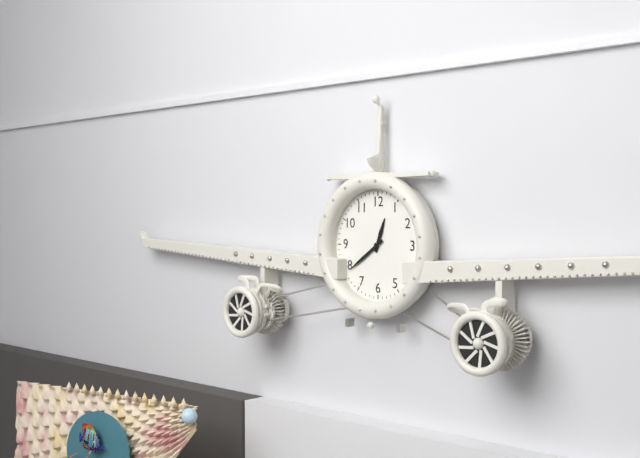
**12:39**
